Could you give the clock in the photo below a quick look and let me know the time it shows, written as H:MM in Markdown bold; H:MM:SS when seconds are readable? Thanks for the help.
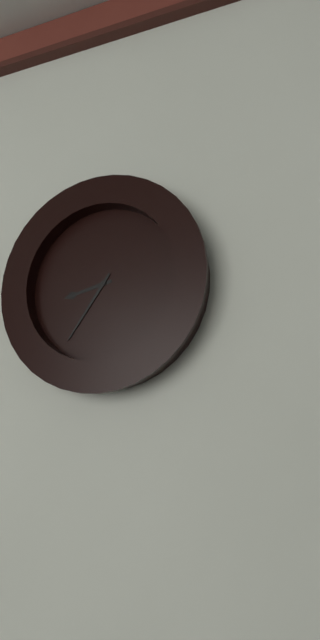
**8:36**
